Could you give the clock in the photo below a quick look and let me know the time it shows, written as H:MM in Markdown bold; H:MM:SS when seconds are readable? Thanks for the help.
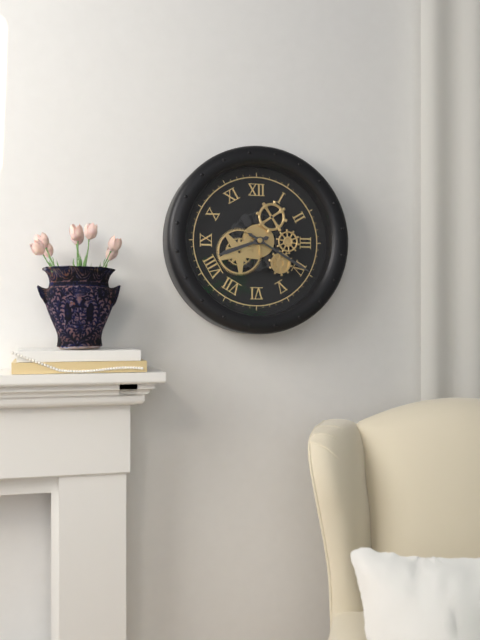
**8:20**
